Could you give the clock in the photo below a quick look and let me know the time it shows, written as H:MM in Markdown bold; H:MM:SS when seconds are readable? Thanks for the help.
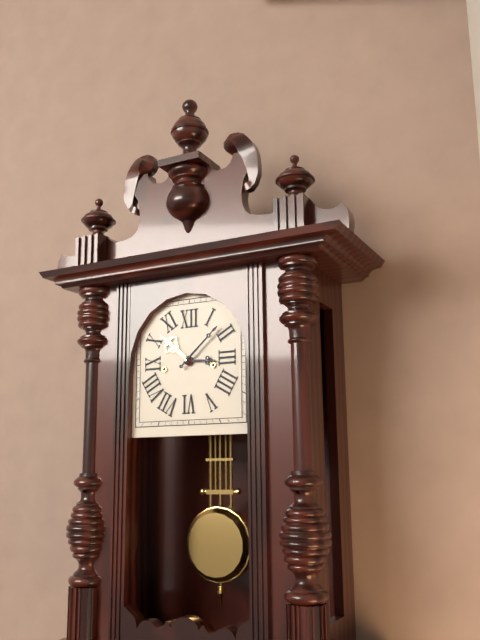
**3:08**
